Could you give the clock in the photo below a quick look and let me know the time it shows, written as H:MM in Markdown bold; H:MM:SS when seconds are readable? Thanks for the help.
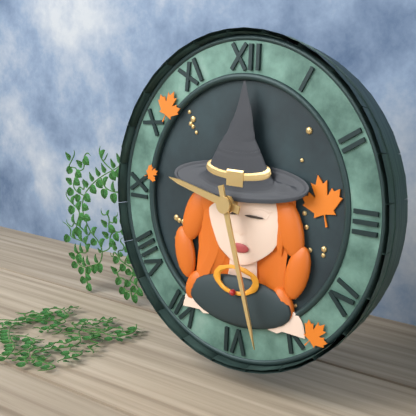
**9:27**
